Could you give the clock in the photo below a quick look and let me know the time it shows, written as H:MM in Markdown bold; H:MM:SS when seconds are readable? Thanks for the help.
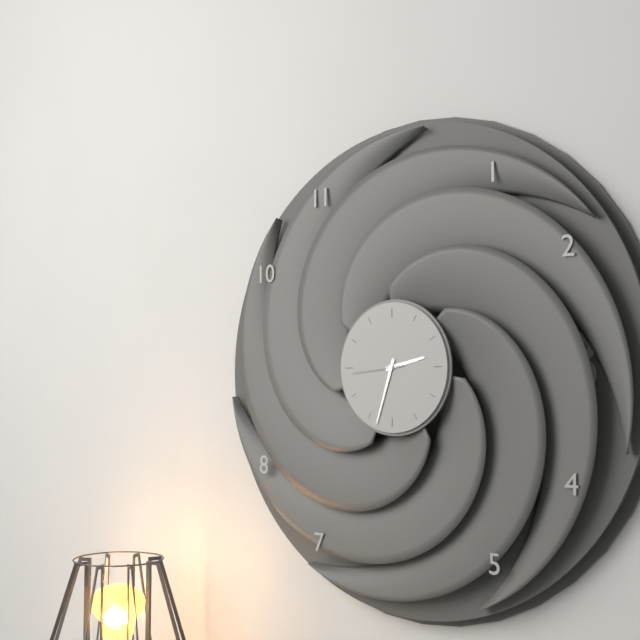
**2:33:44**
